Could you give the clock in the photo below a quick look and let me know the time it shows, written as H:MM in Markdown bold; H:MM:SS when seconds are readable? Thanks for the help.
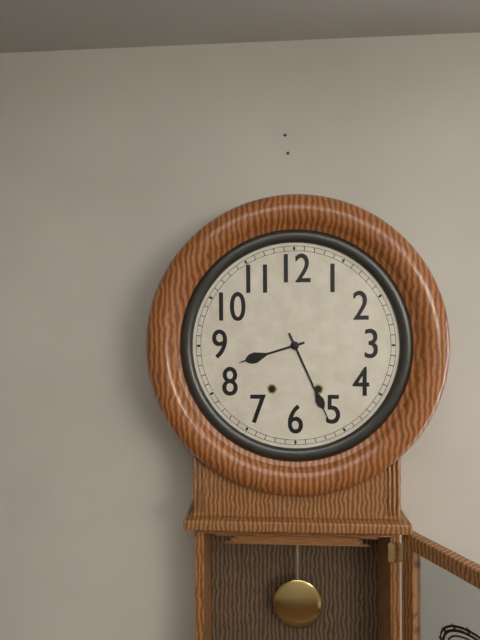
**8:26**
